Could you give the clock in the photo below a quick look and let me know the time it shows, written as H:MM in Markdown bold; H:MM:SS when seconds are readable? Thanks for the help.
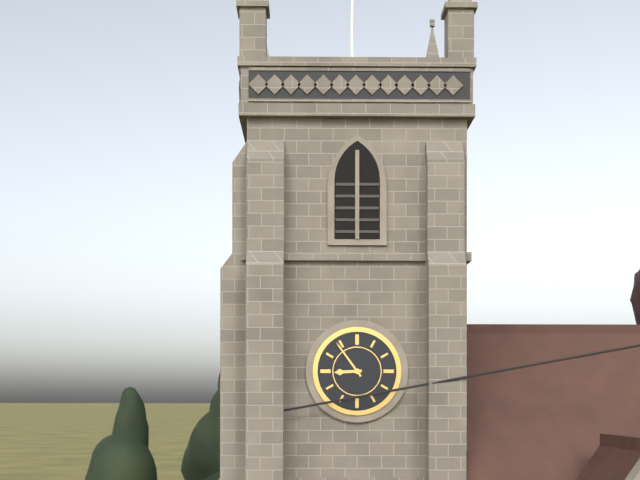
**8:54**
